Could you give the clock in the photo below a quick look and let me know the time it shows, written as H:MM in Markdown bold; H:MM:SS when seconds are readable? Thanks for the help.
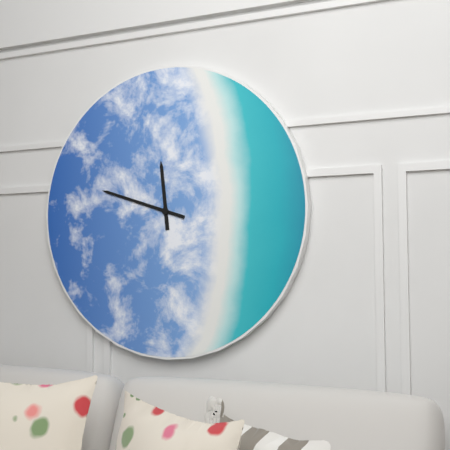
**11:48**
